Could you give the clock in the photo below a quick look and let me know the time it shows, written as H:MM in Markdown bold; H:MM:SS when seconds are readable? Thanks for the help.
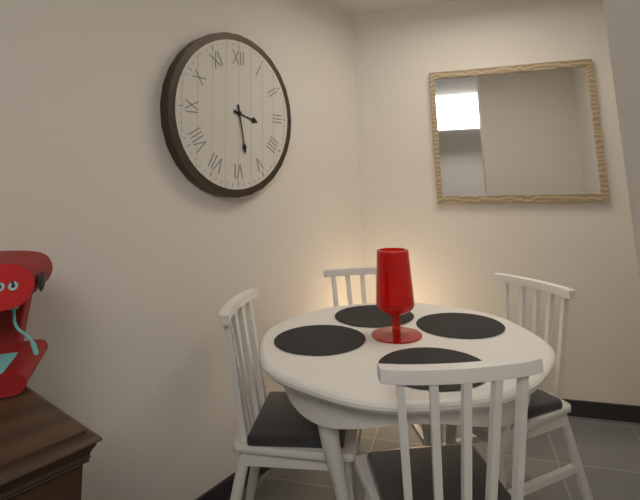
**3:28**
